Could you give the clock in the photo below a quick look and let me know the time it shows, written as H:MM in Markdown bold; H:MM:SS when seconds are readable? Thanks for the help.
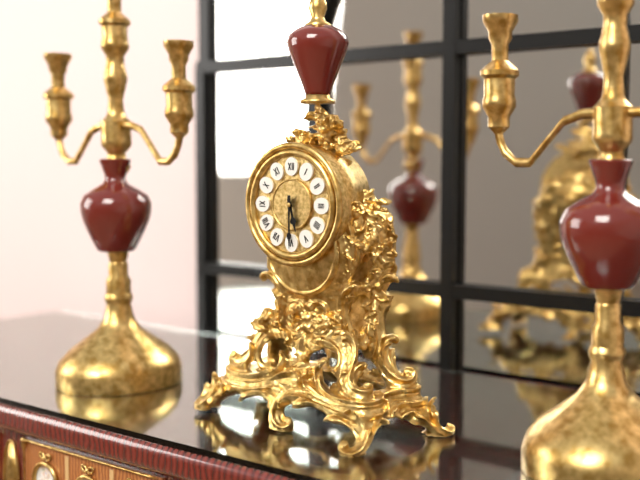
**5:30**
